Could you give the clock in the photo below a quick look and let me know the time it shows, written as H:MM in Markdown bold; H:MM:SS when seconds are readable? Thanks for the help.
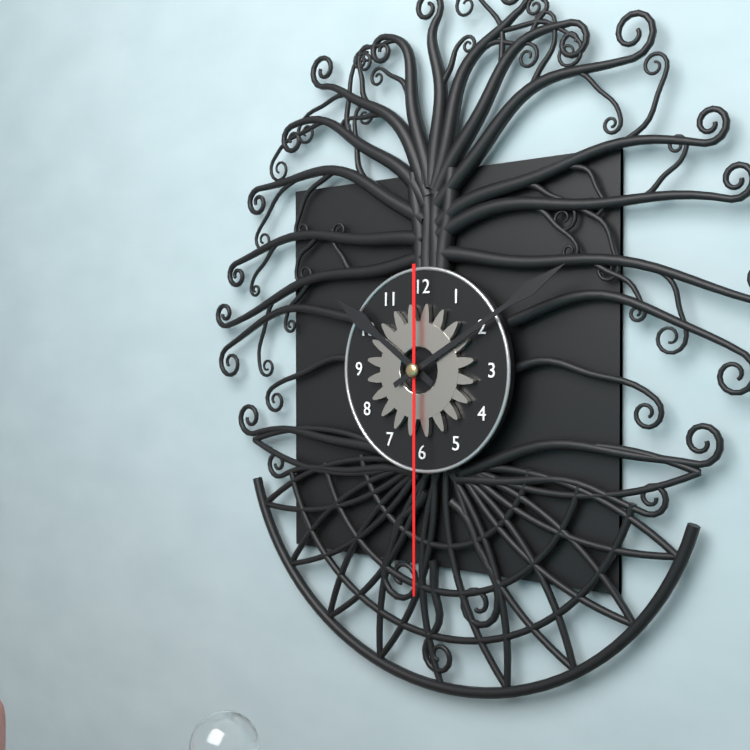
**10:10:30**
